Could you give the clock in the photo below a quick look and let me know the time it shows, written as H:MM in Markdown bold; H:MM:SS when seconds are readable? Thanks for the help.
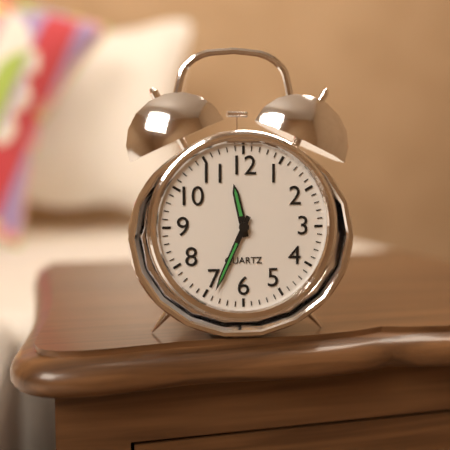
**11:34**
